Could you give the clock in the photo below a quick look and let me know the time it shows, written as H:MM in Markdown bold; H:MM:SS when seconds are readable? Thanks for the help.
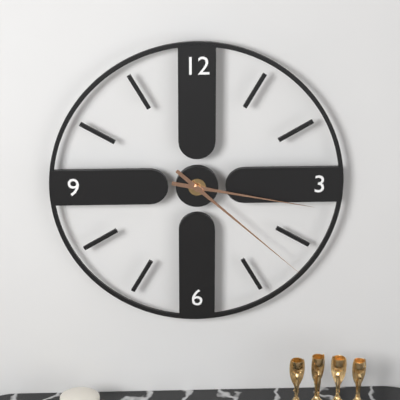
**3:22**
